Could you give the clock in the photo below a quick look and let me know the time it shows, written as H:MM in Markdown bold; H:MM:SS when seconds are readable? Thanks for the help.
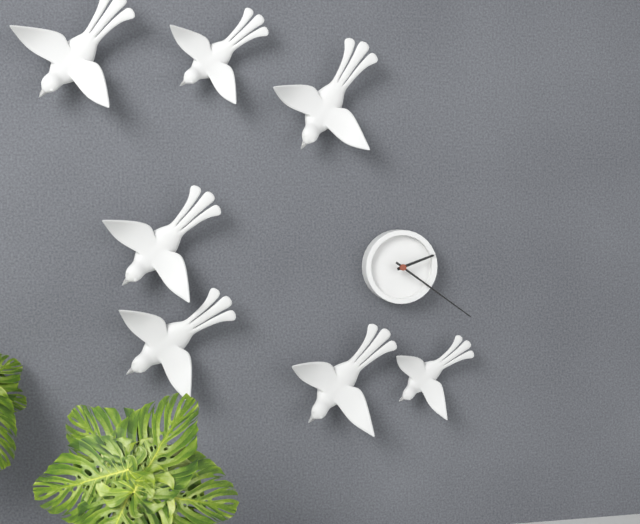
**2:21**
